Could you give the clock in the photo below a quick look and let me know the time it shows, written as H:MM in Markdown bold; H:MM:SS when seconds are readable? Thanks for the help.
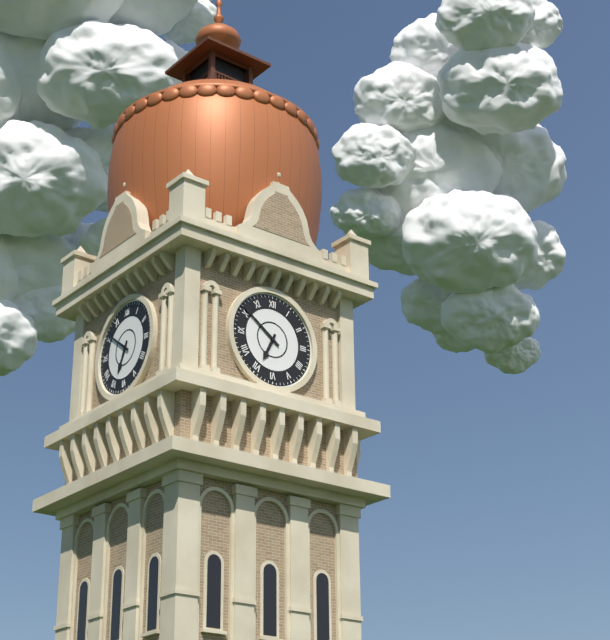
**6:51**
